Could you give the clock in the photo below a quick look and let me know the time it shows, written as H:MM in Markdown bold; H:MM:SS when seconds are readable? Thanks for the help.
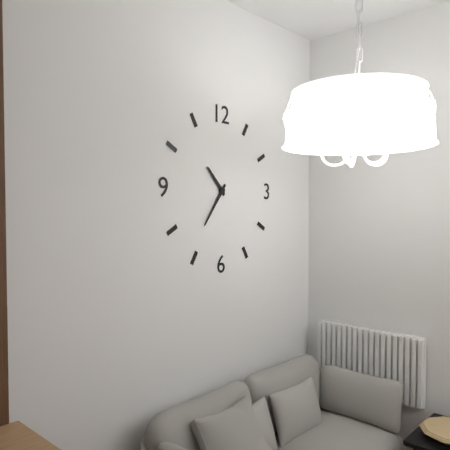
**10:36**
